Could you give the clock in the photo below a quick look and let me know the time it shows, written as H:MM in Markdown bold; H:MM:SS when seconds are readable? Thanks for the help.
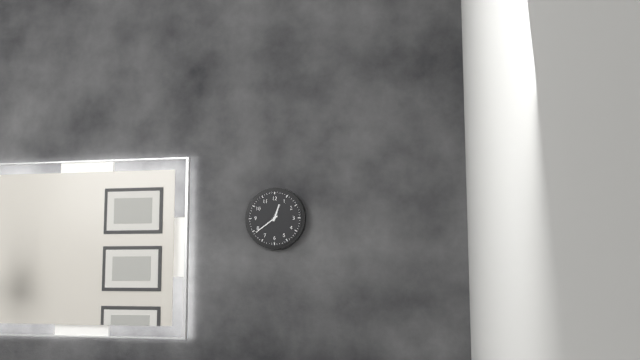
**12:39**
